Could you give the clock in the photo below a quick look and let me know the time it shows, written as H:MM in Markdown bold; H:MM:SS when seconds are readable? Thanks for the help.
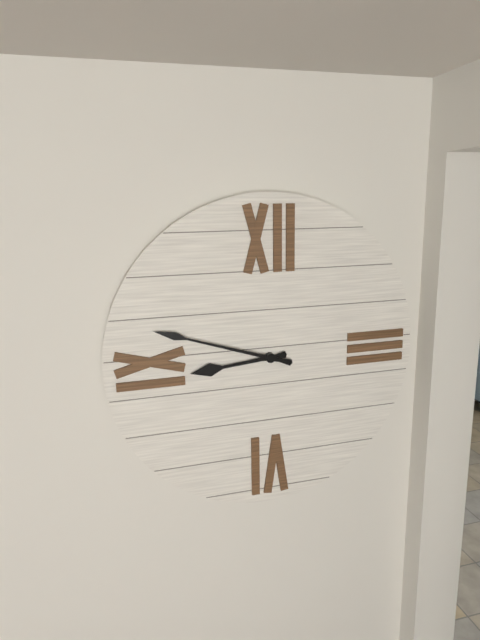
**8:48**
